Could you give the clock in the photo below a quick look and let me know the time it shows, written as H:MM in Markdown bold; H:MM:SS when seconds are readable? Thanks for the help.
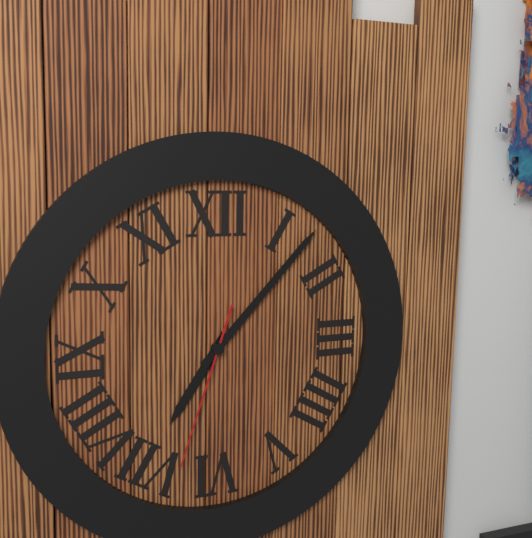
**7:07:33**
